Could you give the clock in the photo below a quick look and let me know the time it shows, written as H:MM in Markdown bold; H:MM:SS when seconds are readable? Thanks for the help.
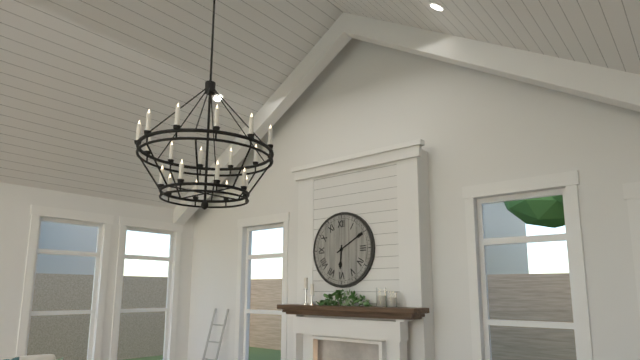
**6:10**
